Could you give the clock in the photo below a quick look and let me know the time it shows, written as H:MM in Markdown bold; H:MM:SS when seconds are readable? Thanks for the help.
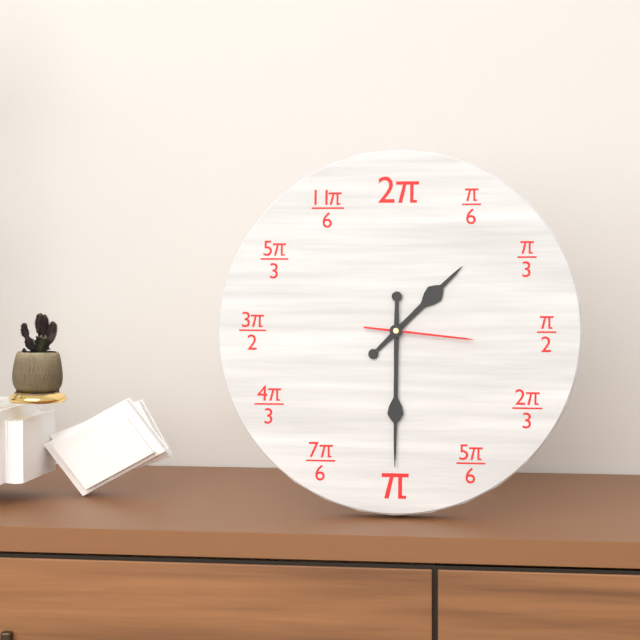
**1:30:16**
